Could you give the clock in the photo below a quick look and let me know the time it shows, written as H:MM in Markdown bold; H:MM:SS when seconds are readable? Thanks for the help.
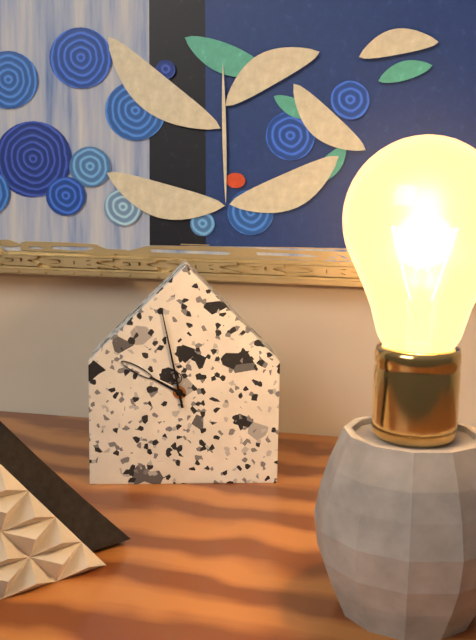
**9:58**
